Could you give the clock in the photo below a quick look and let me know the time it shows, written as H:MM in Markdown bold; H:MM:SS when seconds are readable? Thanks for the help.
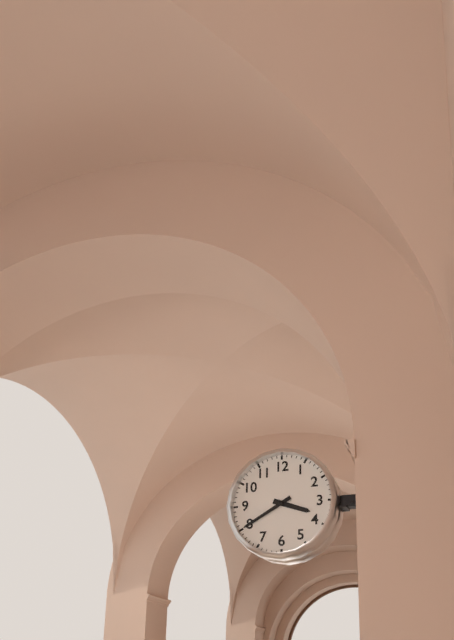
**3:40**
